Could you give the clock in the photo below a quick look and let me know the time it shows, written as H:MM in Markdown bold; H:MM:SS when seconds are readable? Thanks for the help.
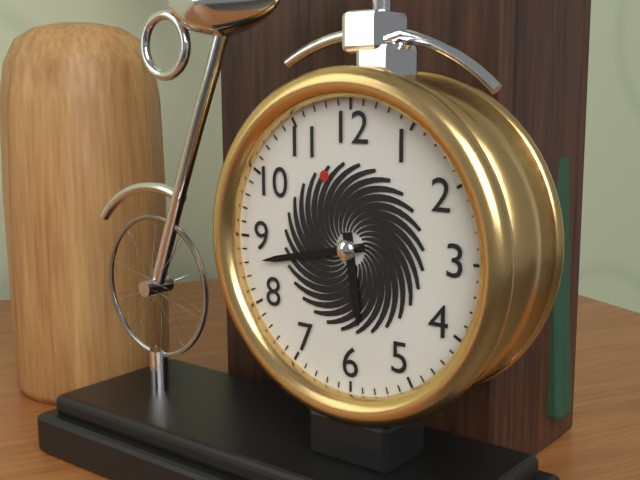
**5:43**
